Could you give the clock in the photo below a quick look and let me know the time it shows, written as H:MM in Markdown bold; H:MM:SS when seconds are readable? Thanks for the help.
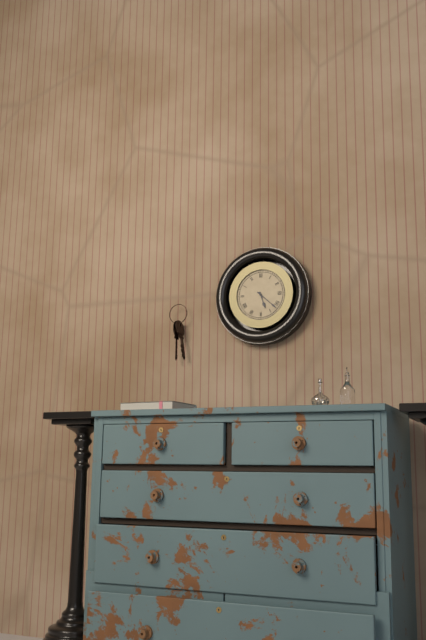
**5:22**
